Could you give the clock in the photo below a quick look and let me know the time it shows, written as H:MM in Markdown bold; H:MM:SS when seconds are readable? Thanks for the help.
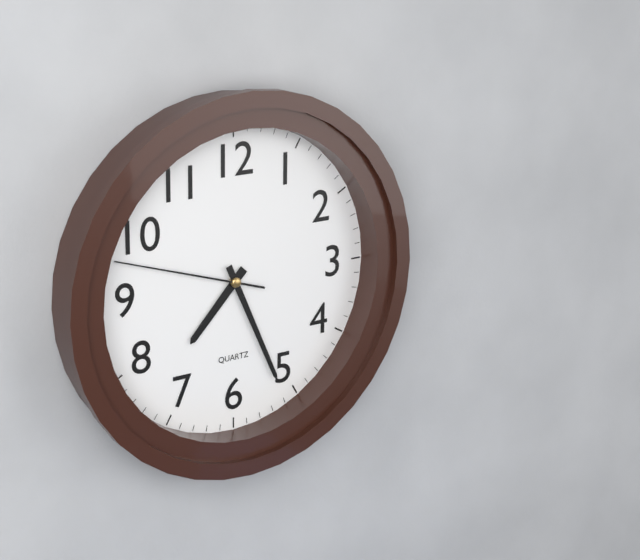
**7:26:48**
